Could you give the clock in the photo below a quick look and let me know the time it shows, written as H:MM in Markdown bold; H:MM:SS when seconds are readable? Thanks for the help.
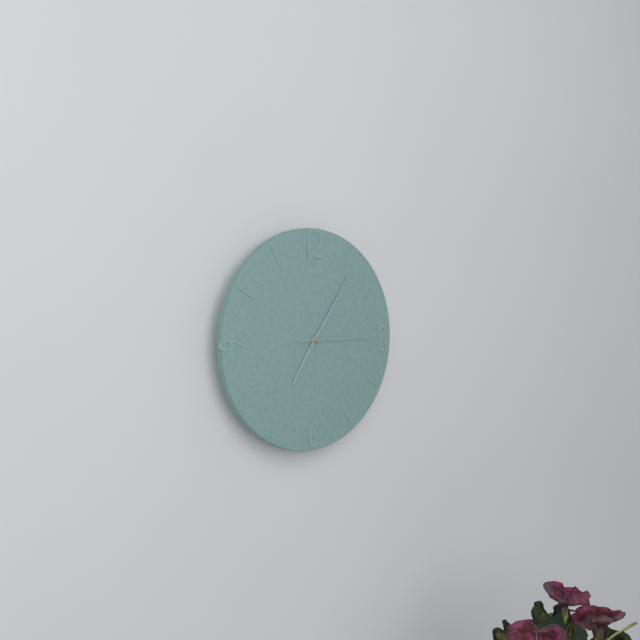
**7:06:15**
